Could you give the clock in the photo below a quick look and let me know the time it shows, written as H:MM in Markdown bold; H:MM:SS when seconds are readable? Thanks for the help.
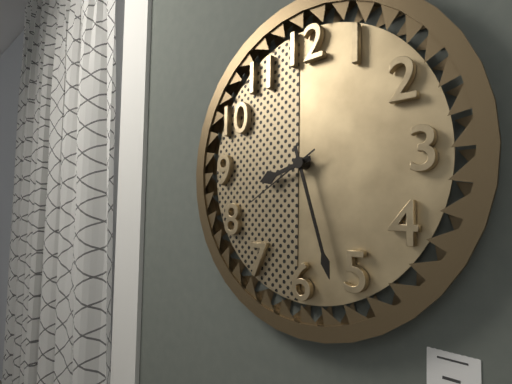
**8:27:40**
